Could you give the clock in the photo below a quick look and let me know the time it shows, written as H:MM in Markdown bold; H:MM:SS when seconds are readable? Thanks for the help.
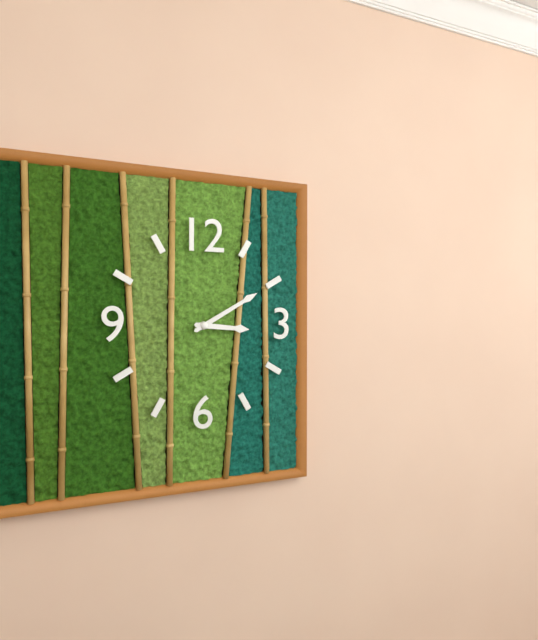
**3:10**
